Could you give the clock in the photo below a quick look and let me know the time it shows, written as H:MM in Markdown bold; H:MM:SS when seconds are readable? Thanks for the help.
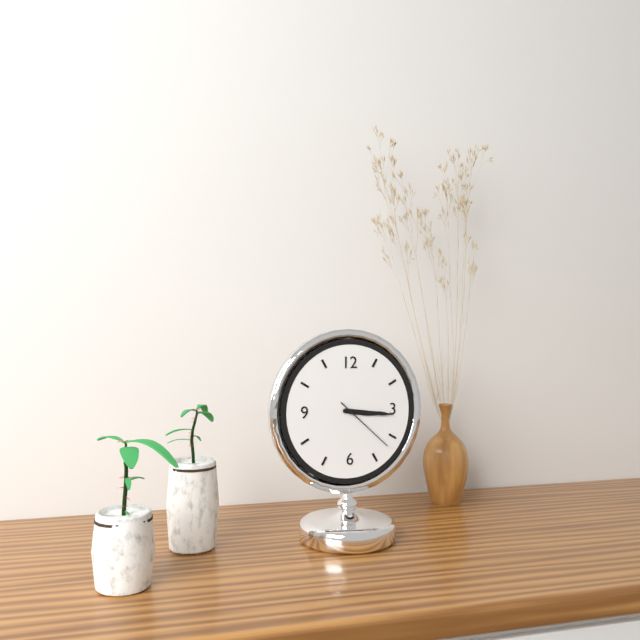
**3:16:22**
